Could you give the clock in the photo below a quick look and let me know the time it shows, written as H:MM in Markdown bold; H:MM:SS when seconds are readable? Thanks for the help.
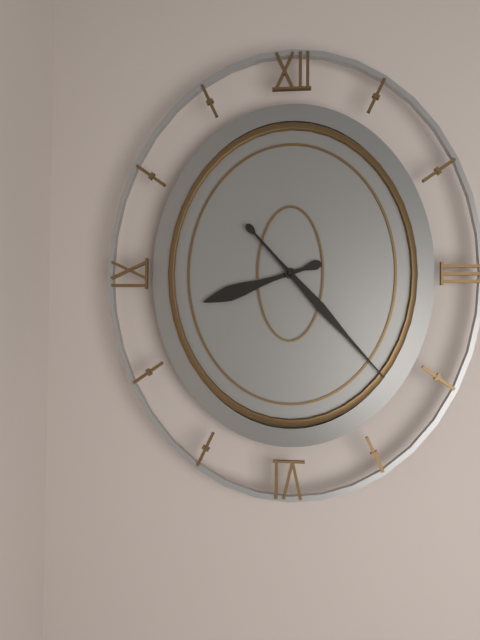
**8:23**
